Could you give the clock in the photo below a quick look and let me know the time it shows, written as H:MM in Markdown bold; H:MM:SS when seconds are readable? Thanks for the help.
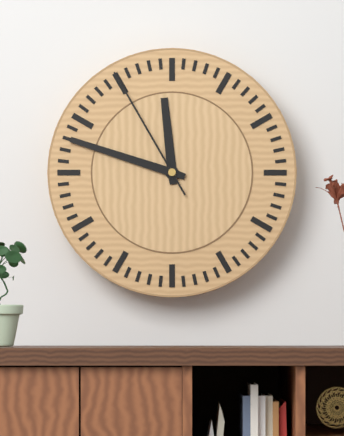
**11:48:55**
